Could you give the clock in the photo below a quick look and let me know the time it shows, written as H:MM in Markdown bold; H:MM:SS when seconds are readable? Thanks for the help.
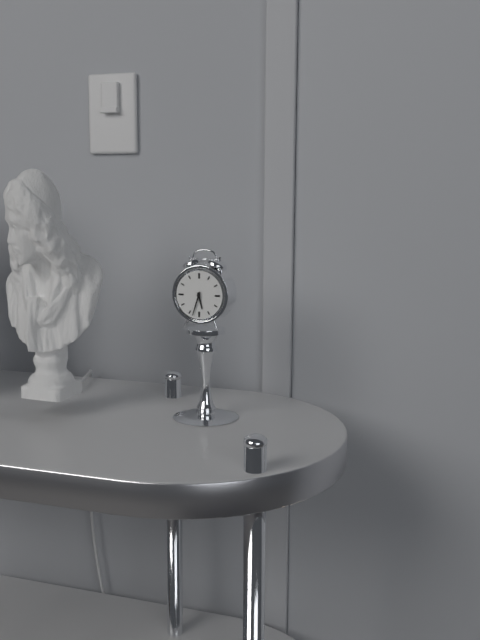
**5:33**
